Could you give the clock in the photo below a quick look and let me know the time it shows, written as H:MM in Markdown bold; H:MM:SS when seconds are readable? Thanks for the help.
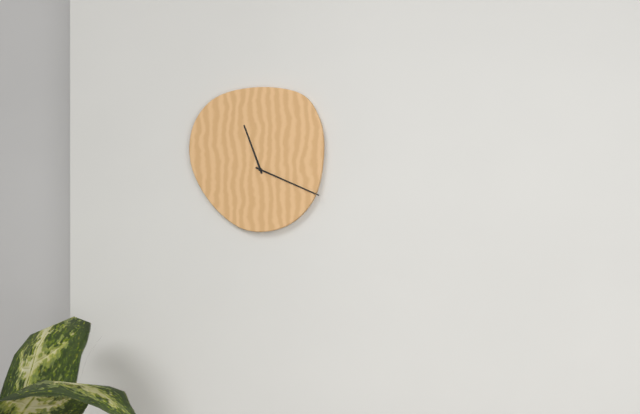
**11:19**
